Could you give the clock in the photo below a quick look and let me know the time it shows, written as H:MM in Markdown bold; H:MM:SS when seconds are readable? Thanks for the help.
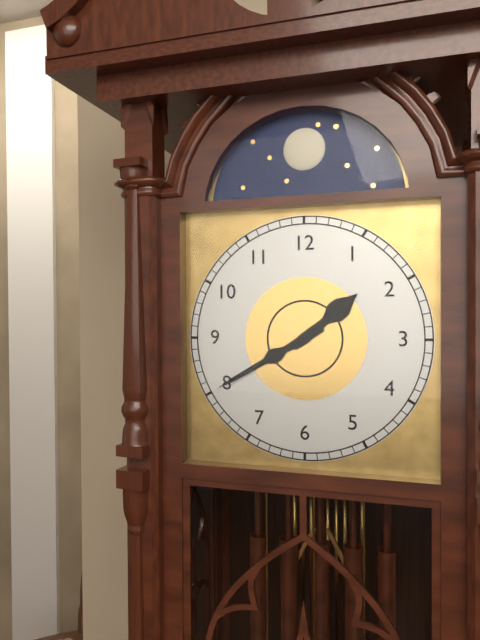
**1:40**
